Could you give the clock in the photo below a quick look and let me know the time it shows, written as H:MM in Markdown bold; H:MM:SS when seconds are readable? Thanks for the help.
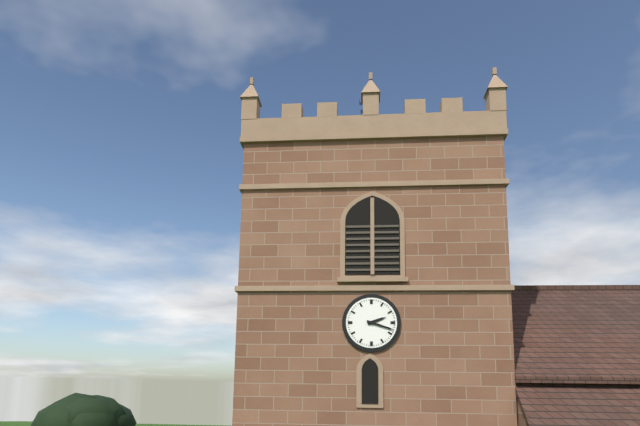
**2:18**
